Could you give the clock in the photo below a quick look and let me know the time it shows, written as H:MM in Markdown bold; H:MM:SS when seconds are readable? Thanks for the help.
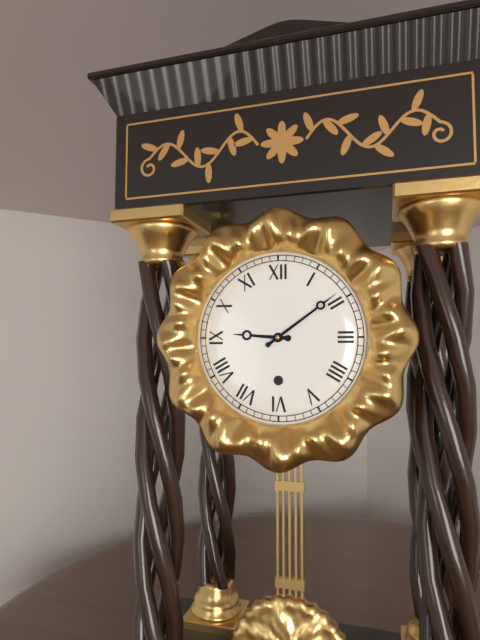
**9:09**
